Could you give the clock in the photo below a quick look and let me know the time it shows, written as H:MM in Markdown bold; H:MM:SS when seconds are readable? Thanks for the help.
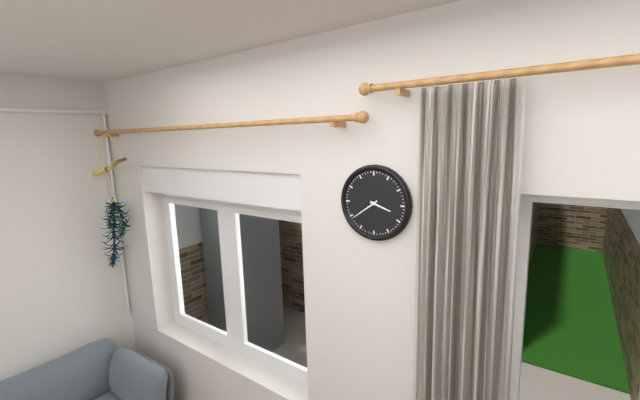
**3:39**
